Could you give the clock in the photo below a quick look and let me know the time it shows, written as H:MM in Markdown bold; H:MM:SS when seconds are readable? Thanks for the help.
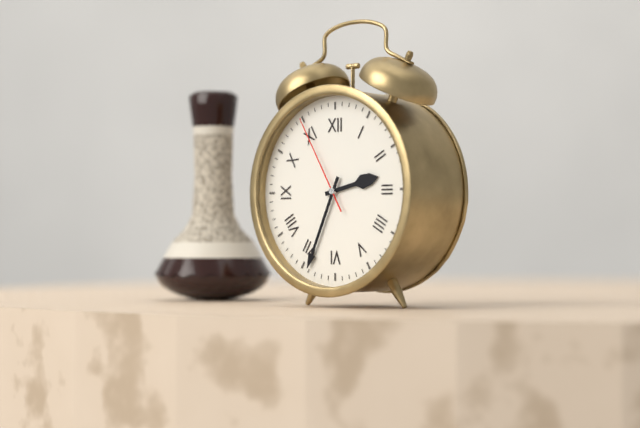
**2:34:55**
